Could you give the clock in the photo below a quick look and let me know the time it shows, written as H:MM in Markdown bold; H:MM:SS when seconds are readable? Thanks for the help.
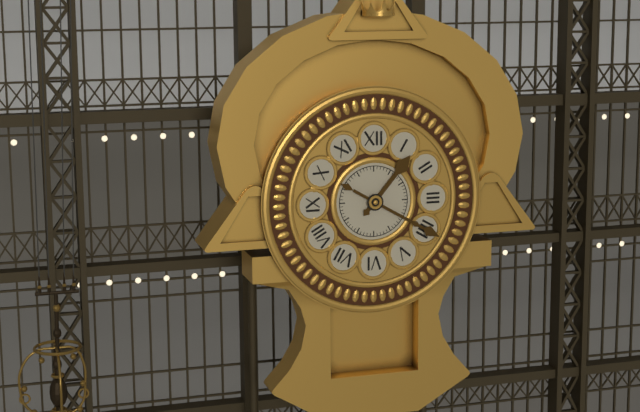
**1:20**
